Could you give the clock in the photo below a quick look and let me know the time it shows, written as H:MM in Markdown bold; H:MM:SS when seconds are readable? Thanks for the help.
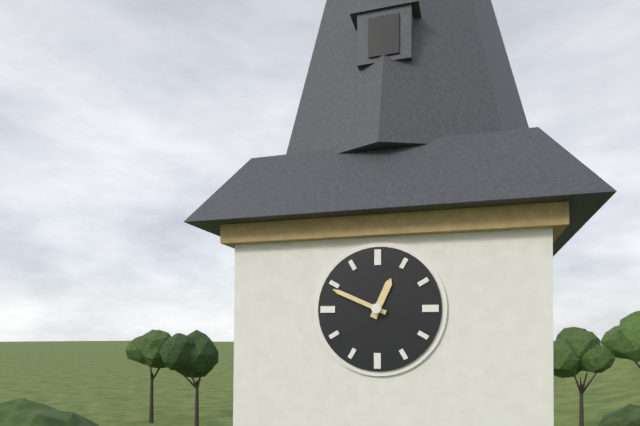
**12:49**
